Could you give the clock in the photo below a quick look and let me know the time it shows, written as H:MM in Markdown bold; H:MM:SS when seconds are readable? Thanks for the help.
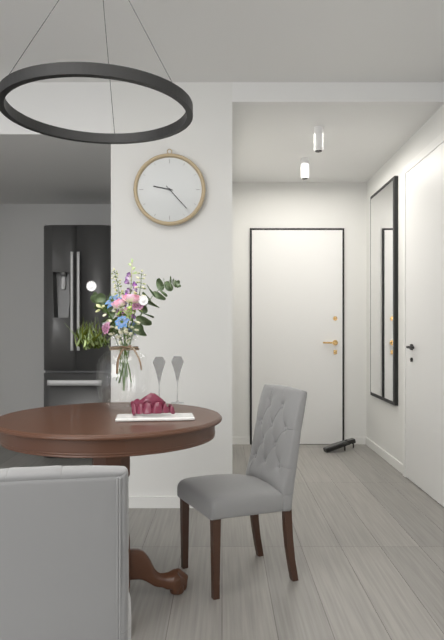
**9:23**
